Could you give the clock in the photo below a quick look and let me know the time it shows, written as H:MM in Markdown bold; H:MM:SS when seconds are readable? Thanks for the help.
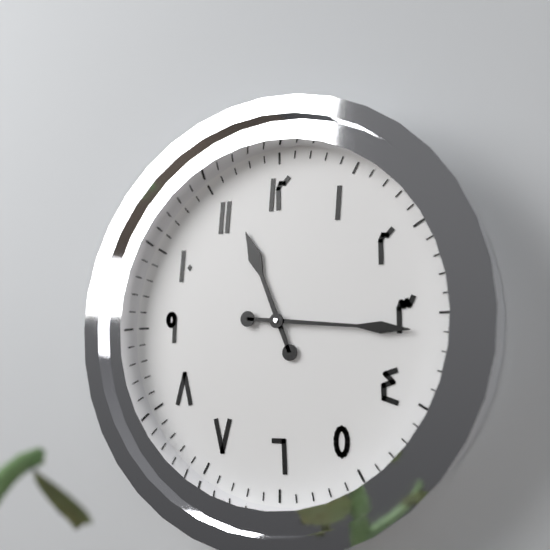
**11:16**
